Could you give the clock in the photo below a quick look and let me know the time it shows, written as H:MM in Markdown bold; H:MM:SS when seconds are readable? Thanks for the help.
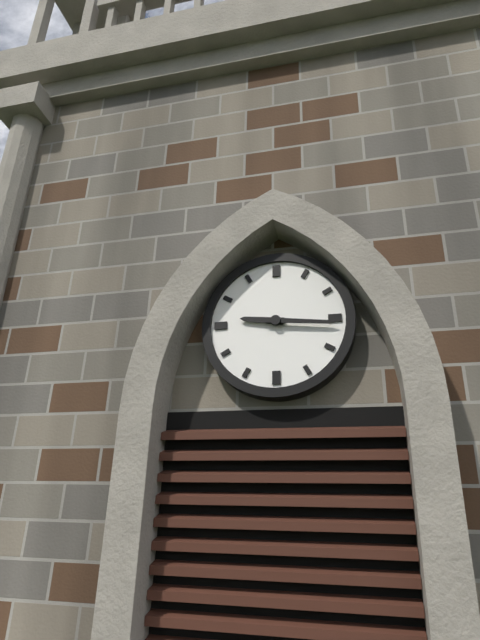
**9:16**
